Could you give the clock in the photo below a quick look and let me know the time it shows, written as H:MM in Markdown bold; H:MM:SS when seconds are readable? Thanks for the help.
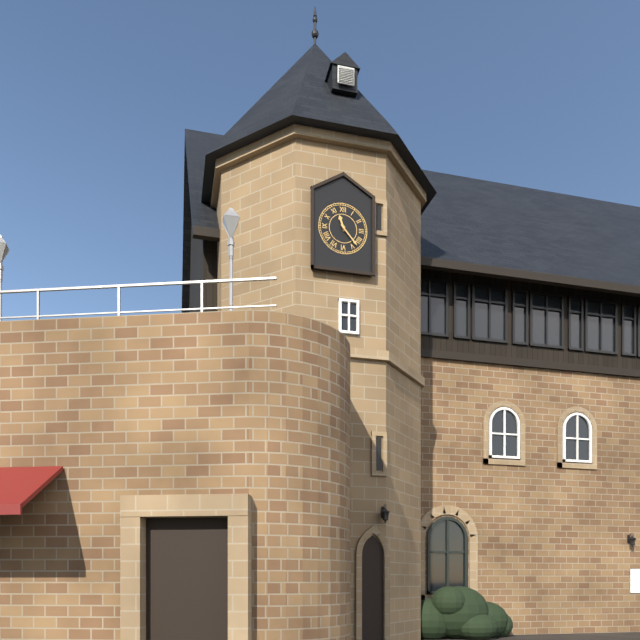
**11:23**
